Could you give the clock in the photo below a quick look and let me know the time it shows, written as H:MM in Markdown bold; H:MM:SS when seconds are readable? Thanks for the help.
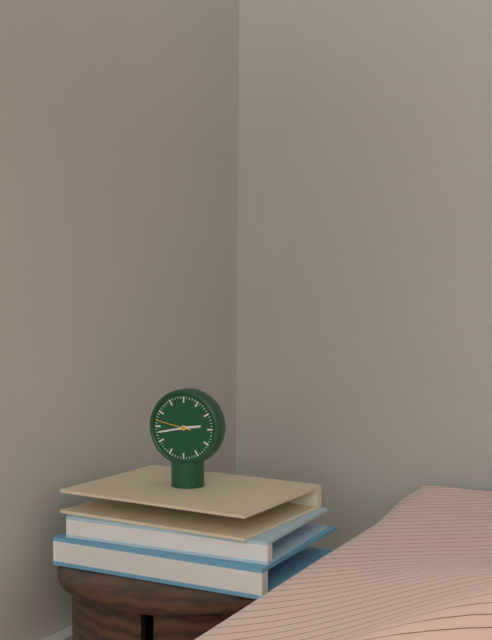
**2:43**
